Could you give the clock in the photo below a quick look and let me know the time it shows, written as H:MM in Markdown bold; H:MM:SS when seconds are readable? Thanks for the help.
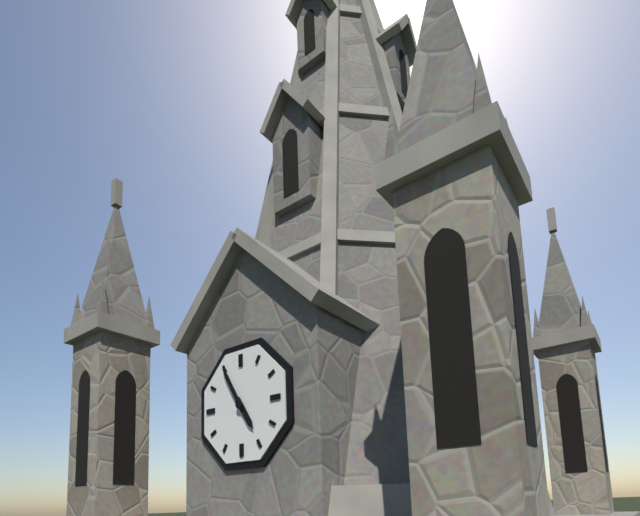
**4:55**
